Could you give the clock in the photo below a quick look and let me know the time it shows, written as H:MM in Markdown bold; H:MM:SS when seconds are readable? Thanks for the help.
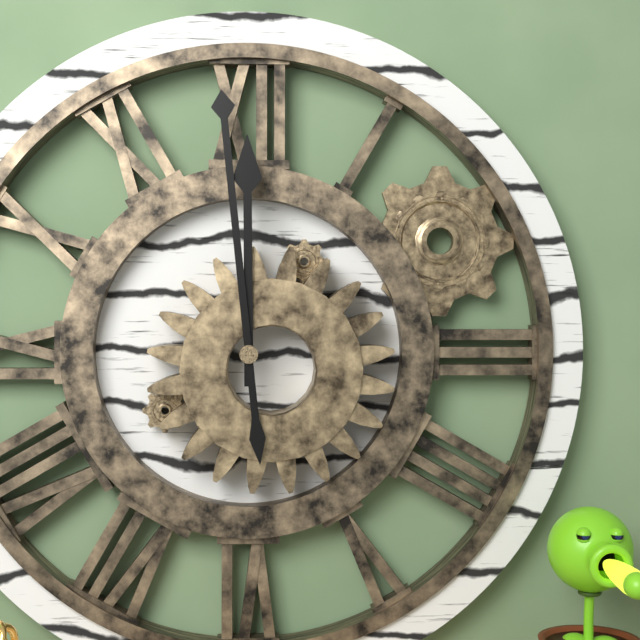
**11:59**
